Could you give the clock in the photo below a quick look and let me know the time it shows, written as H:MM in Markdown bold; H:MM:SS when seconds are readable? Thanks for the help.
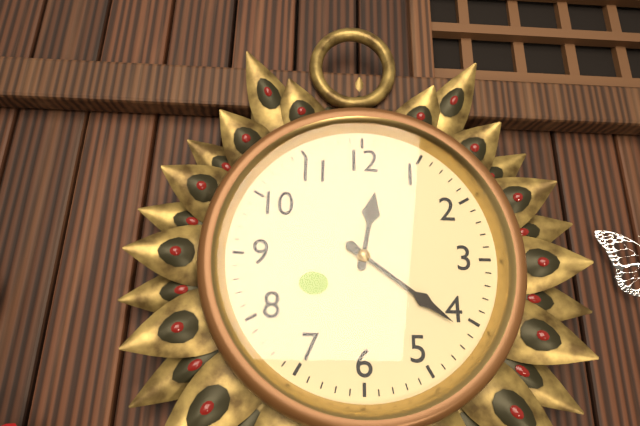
**12:21**
